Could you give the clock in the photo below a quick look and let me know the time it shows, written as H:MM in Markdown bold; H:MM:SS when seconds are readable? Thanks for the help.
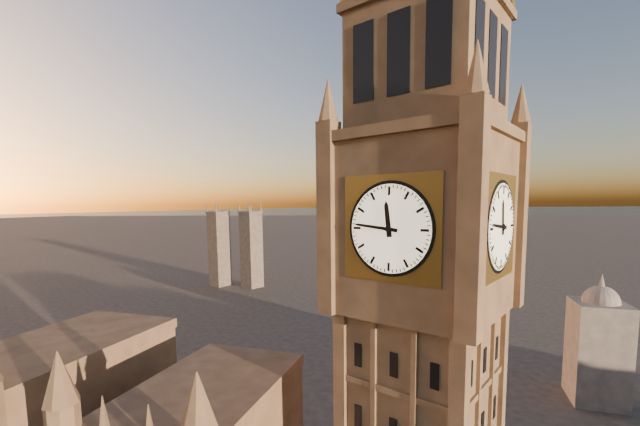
**11:46**
